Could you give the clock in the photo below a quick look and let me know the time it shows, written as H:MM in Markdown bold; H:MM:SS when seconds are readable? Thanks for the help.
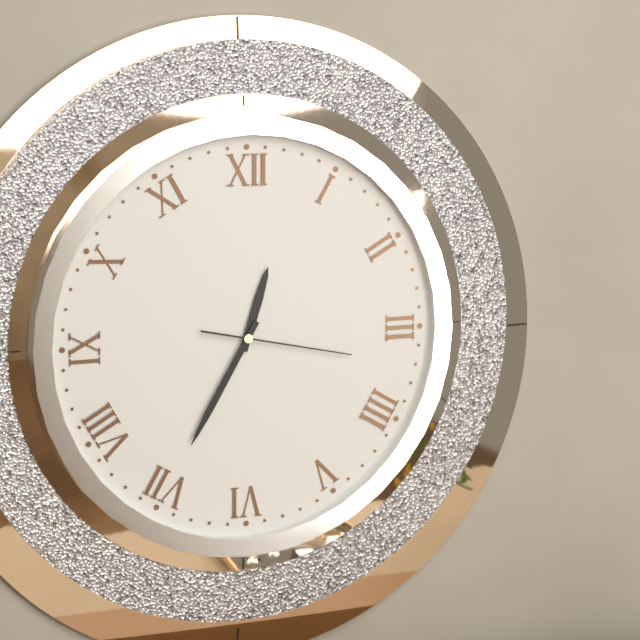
**12:35:17**
